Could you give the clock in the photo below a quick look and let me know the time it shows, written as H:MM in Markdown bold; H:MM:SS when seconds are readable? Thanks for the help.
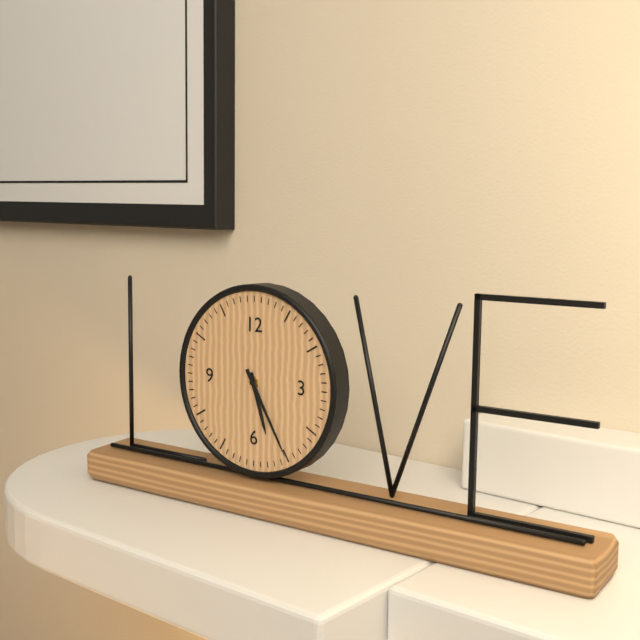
**5:25**
